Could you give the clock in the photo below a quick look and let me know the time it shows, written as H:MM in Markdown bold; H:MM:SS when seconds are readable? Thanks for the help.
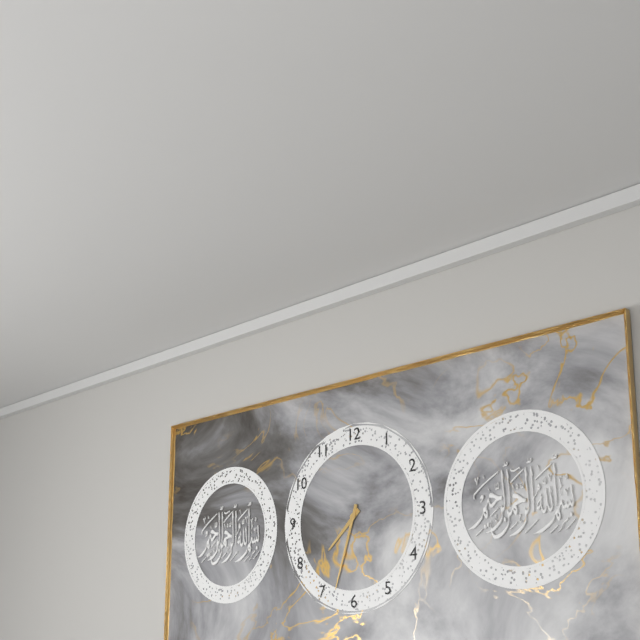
**7:33**
